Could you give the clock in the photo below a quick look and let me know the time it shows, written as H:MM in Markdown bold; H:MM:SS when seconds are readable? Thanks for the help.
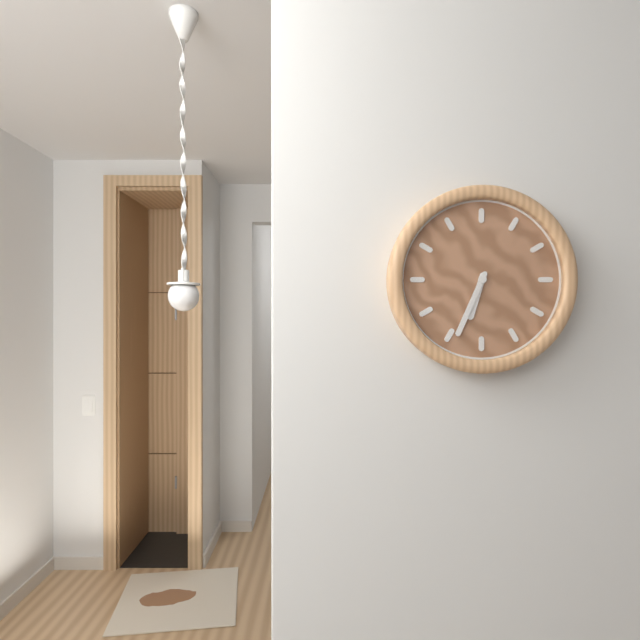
**6:34**
